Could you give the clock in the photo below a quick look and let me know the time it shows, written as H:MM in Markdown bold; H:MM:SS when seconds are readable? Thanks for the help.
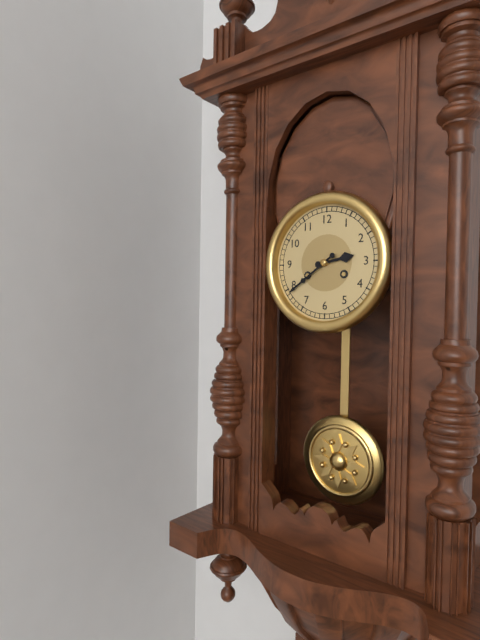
**2:39**
